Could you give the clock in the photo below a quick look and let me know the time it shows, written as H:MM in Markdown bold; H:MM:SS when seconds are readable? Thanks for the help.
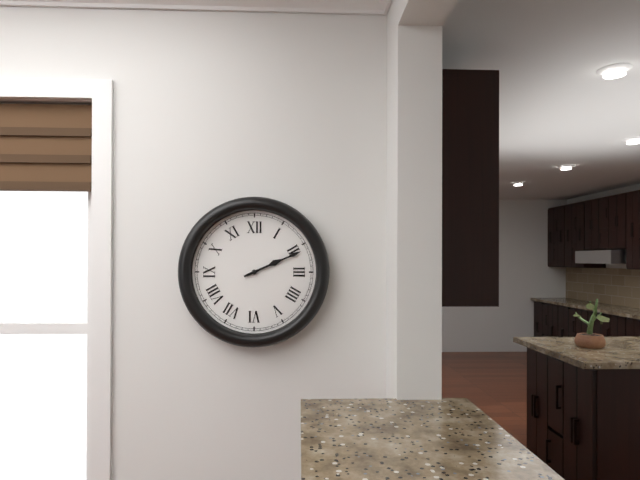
**2:11**
